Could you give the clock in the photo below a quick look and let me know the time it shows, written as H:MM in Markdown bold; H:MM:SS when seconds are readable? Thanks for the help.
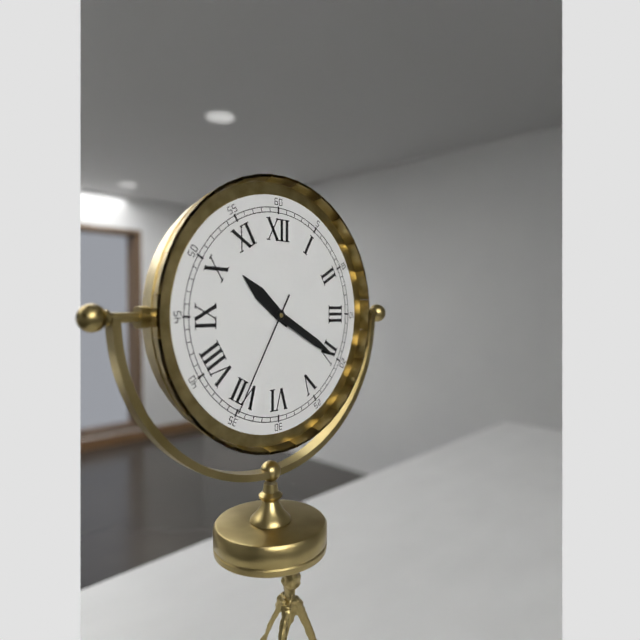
**10:20:35**
